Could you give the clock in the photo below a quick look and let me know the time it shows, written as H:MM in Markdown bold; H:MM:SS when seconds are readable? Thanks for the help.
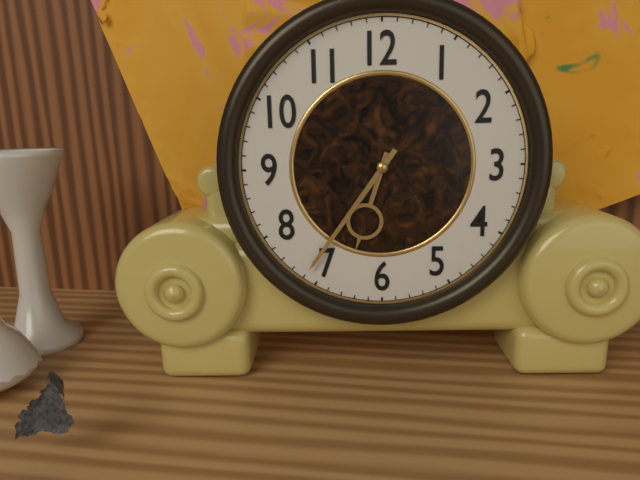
**6:36**
